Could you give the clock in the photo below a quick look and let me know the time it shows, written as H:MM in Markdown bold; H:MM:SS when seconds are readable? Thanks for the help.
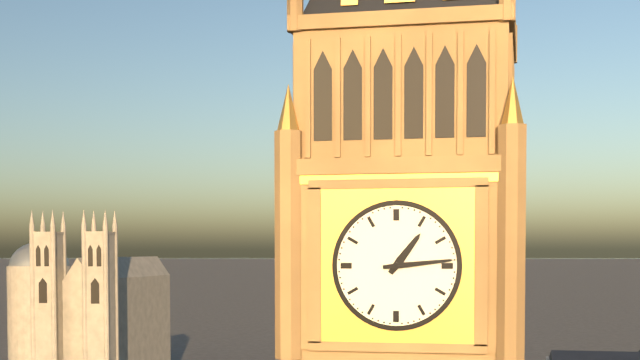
**1:14**
